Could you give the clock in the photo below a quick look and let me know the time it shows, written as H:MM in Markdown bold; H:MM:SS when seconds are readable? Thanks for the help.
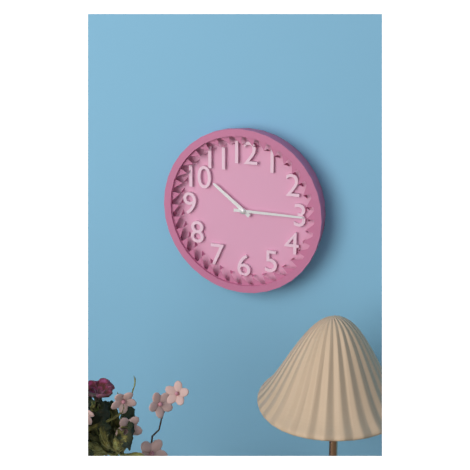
**10:15**
